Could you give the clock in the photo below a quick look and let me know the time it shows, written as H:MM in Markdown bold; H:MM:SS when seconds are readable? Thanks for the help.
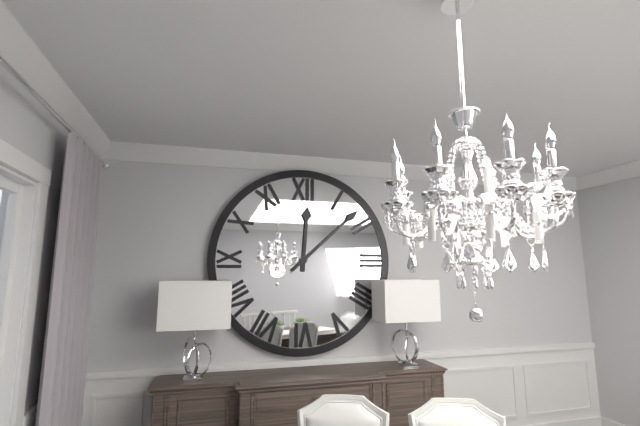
**12:08**
